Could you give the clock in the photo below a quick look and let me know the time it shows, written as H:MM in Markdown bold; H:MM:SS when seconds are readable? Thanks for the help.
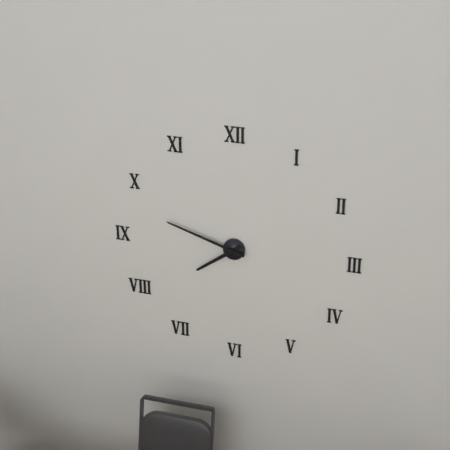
**7:48**
